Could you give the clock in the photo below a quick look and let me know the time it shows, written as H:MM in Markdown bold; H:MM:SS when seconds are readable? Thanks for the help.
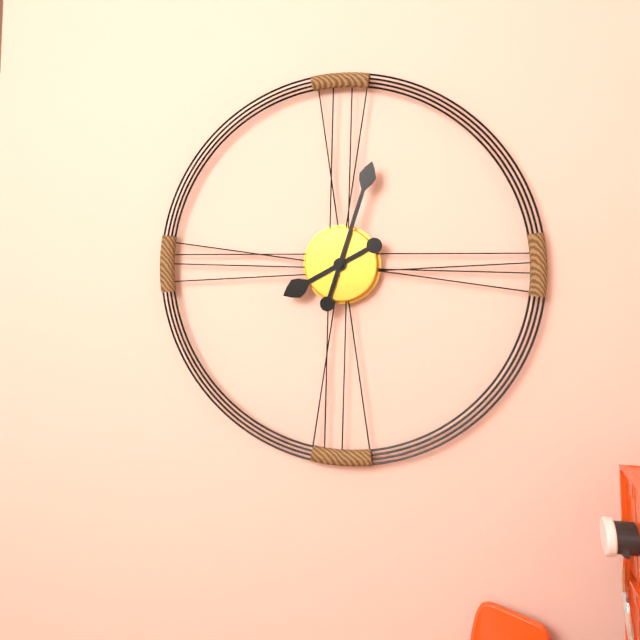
**8:03**
